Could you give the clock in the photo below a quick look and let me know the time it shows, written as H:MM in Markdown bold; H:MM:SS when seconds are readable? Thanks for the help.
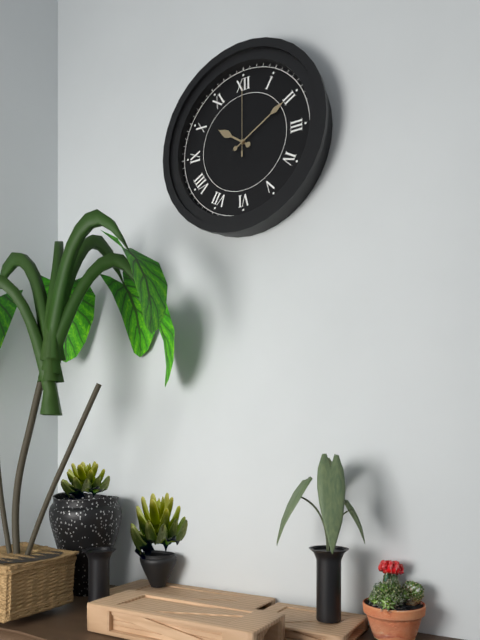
**10:10:00**
